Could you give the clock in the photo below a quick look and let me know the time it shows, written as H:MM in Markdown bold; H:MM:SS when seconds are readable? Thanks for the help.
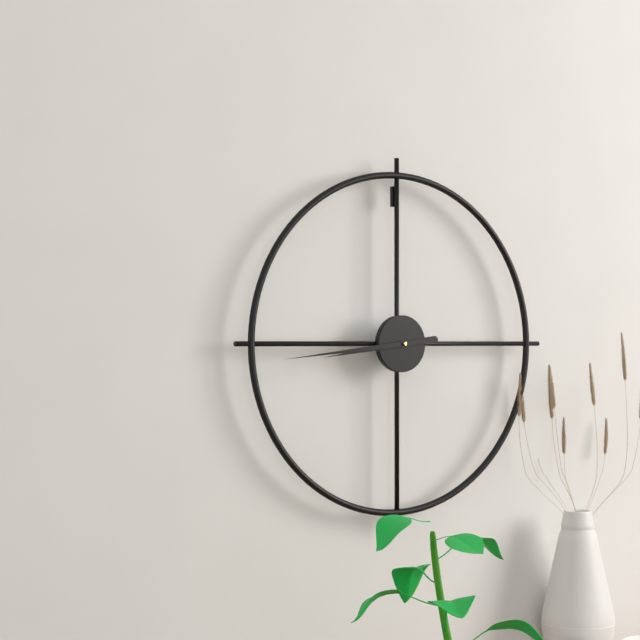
**8:44**
